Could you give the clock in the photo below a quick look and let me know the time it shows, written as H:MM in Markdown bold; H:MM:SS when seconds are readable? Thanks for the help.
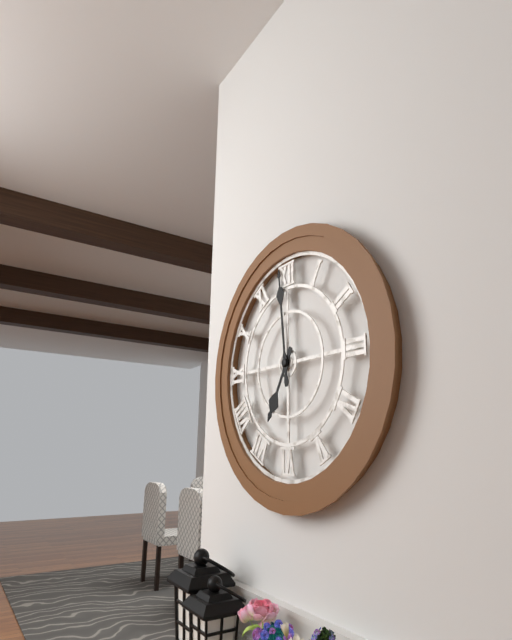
**6:59**
